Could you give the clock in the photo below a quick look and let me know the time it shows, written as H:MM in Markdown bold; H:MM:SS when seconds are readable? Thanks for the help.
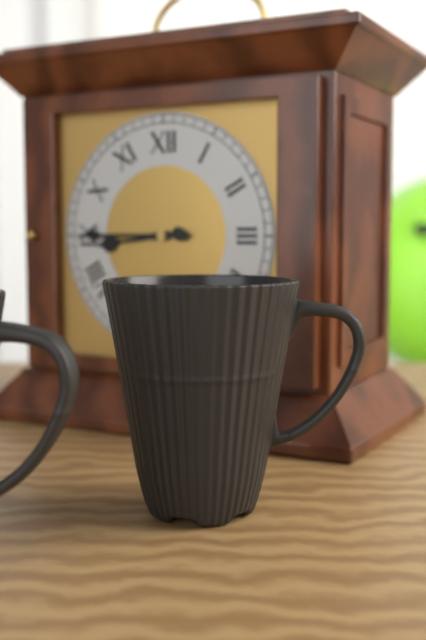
**8:45**
